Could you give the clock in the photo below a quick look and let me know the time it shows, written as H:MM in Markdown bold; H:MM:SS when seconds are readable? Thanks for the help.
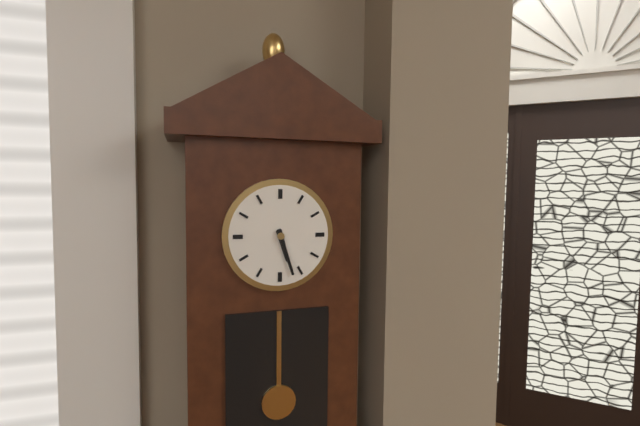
**5:27**
